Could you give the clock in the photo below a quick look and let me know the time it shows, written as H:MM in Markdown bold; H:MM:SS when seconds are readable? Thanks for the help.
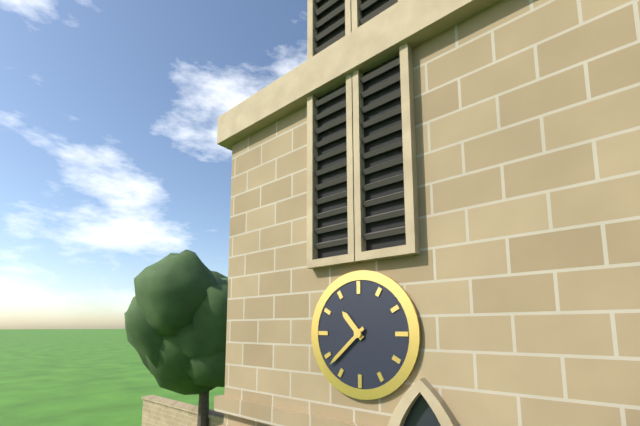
**10:38**
